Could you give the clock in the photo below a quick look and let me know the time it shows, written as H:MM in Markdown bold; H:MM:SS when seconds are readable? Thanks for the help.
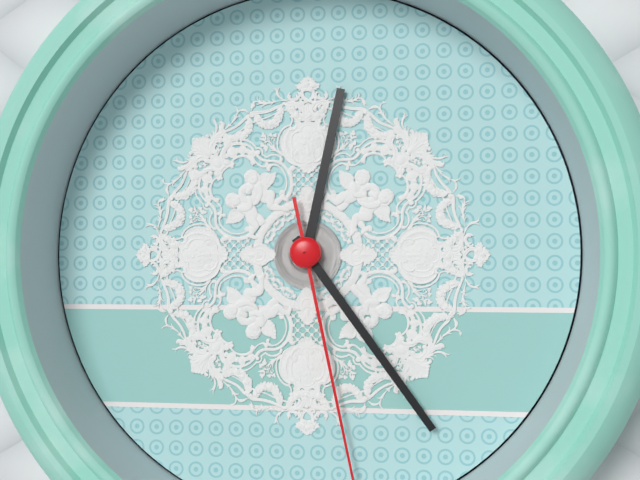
**12:24**
